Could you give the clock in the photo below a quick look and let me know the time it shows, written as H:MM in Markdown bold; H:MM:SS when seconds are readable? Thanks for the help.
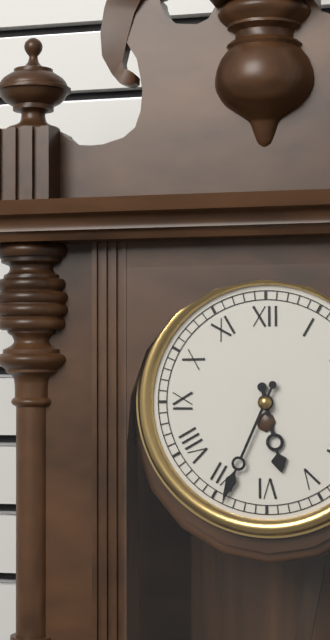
**5:34**
